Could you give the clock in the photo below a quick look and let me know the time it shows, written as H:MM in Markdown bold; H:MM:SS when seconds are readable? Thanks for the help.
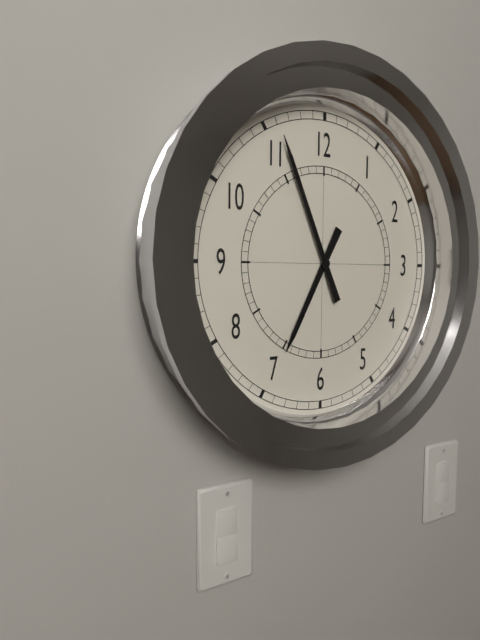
**6:56**
